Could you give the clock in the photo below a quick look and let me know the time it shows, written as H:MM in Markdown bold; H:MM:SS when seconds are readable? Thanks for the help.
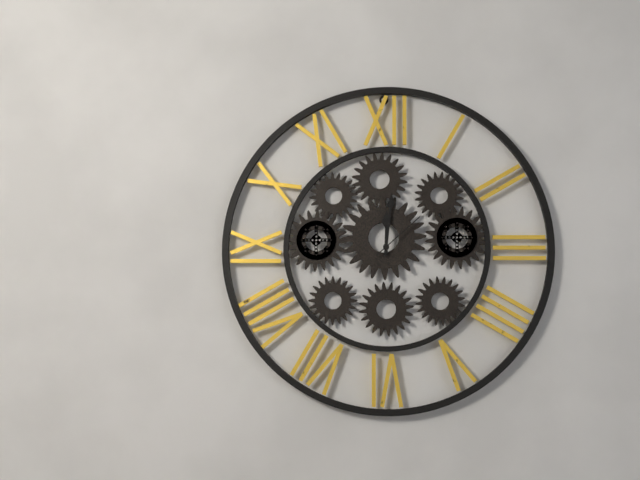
**12:01:08**
